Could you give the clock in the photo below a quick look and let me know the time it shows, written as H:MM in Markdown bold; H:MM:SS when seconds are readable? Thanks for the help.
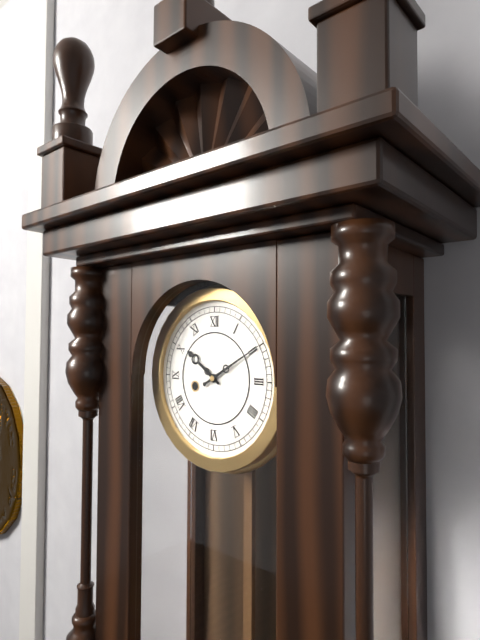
**10:10**
